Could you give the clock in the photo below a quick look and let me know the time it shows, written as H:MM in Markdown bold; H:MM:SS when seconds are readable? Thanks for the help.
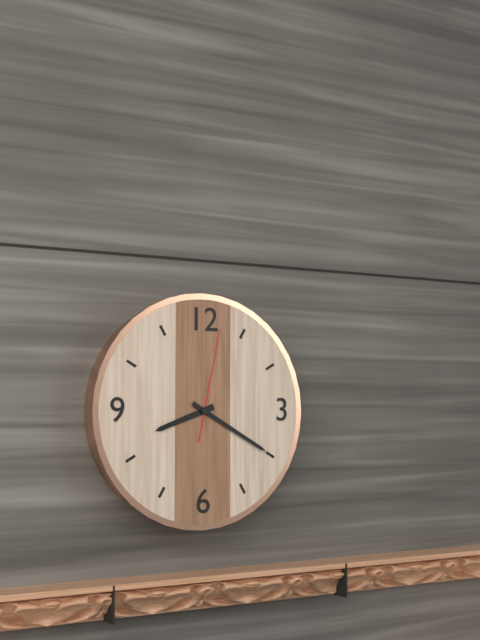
**8:20:02**
